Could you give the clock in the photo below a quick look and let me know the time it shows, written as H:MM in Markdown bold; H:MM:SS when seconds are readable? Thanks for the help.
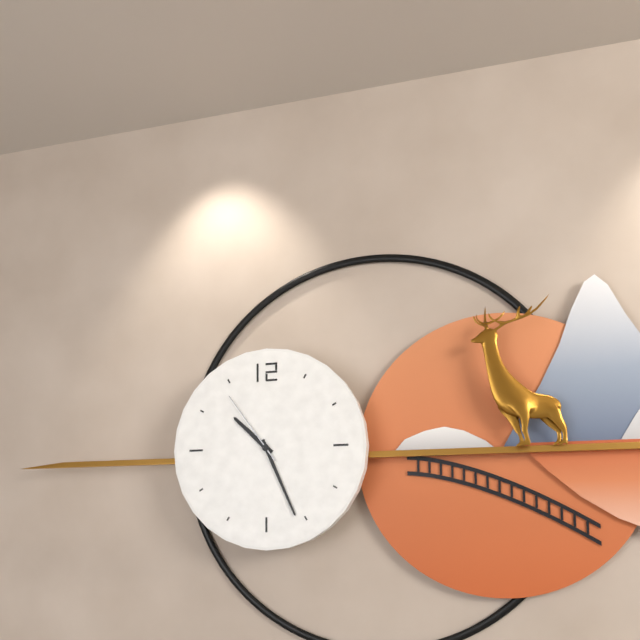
**10:26:54**
